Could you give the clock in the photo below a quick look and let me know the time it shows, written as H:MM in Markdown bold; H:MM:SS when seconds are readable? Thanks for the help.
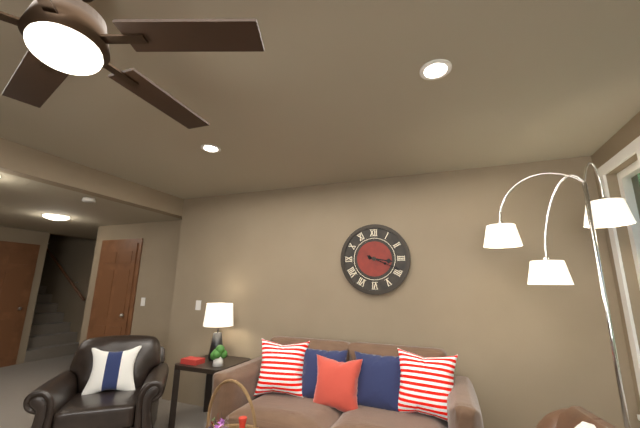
**3:19**
